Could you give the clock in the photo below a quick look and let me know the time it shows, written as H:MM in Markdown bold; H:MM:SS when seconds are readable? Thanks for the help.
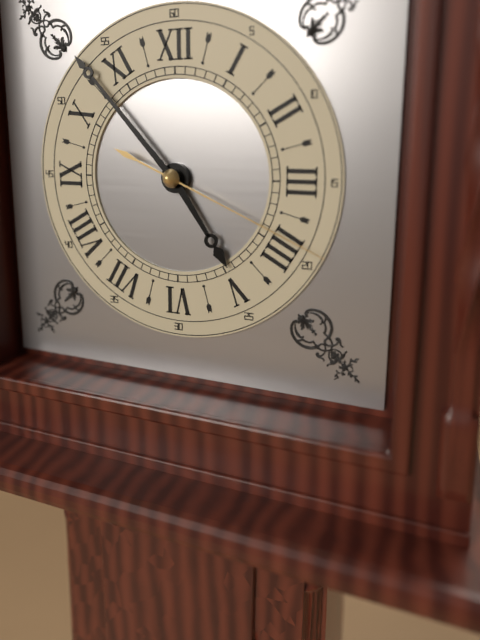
**4:53:19**
